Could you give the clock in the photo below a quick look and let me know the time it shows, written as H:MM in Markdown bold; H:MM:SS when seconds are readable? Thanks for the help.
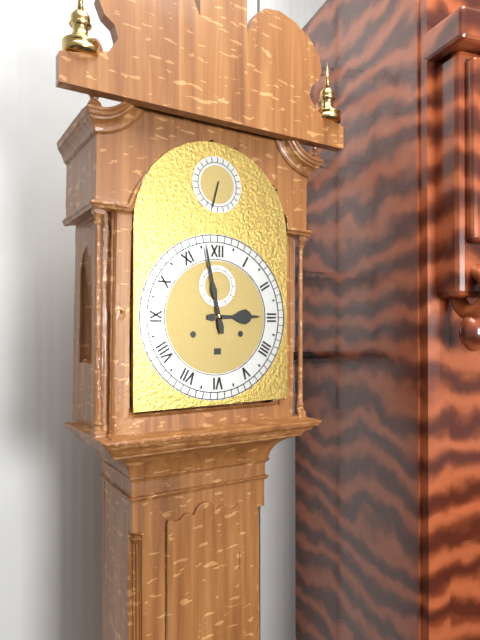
**2:58**
